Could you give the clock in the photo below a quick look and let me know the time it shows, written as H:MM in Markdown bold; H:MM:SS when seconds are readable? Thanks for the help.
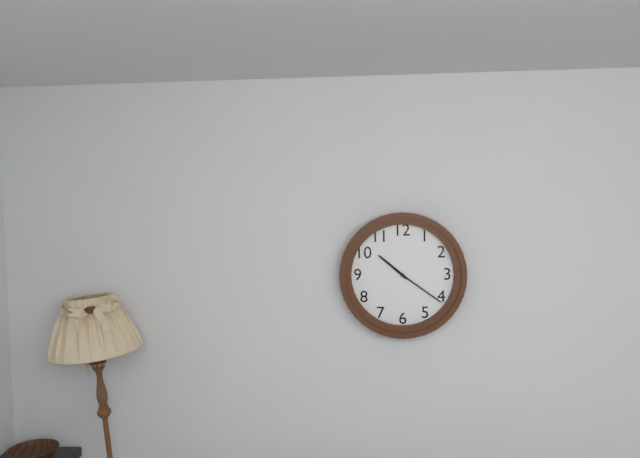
**10:21**
